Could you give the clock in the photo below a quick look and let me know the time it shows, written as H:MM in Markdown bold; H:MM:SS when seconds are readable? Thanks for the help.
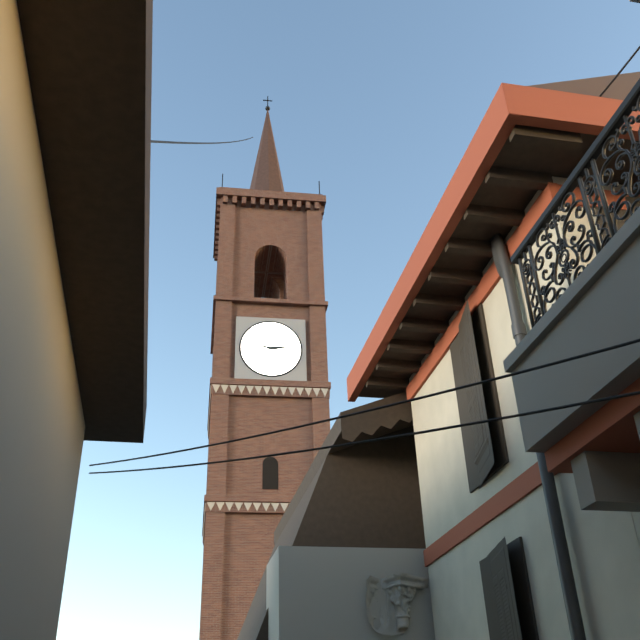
**2:47**
